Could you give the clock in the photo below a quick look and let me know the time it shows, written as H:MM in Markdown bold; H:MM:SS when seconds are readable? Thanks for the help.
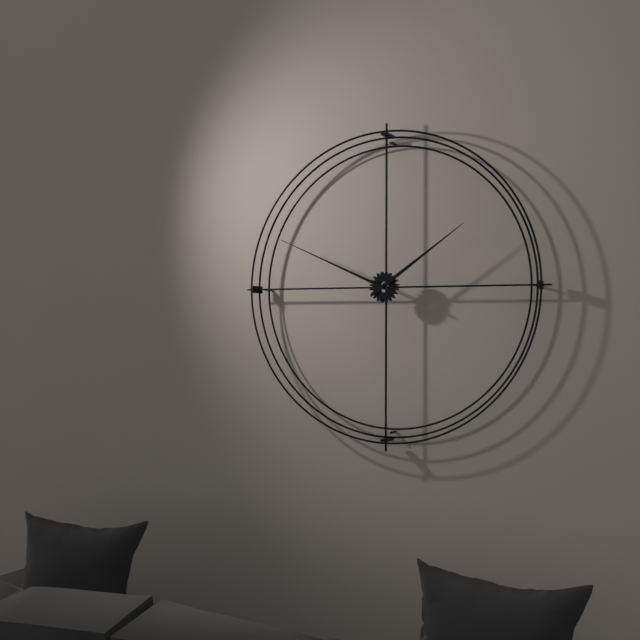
**1:49**
